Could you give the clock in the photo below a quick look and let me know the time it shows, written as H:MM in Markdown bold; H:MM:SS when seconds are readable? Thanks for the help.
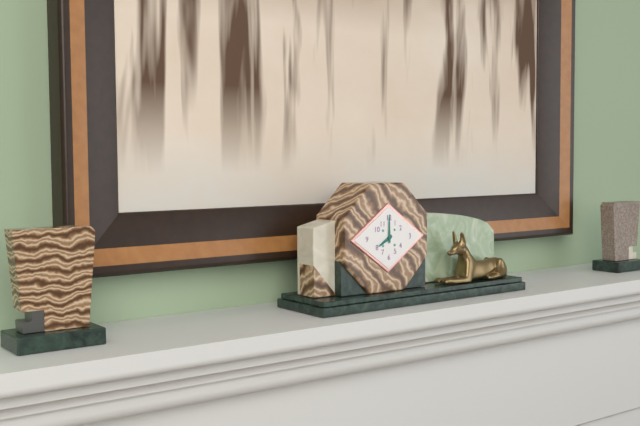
**8:00**
